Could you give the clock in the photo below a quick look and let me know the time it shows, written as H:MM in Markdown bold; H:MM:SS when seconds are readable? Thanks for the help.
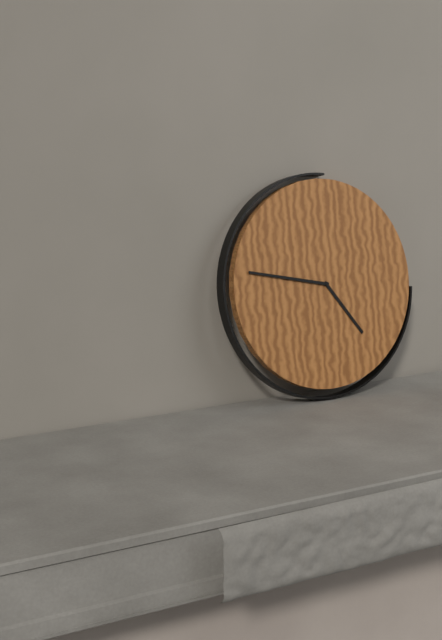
**4:47**
